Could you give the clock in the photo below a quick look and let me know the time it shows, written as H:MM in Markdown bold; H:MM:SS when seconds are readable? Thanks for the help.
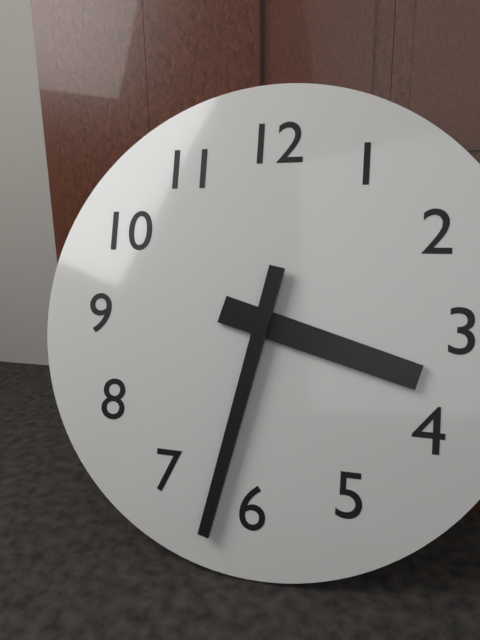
**3:32**
